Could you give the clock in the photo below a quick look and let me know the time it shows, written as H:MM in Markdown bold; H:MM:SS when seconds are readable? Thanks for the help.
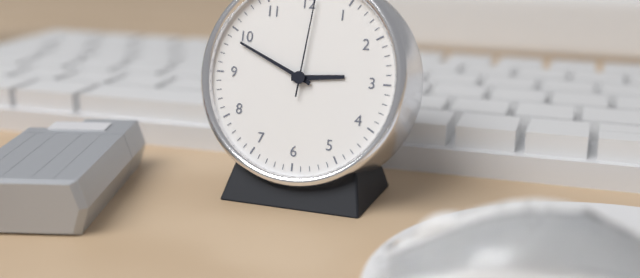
**2:49**
